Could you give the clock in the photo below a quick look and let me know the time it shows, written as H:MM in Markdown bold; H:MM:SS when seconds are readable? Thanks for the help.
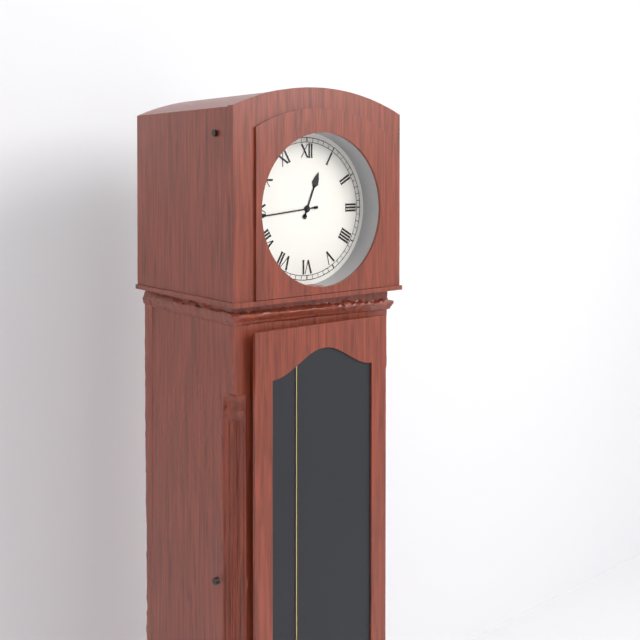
**12:44**
